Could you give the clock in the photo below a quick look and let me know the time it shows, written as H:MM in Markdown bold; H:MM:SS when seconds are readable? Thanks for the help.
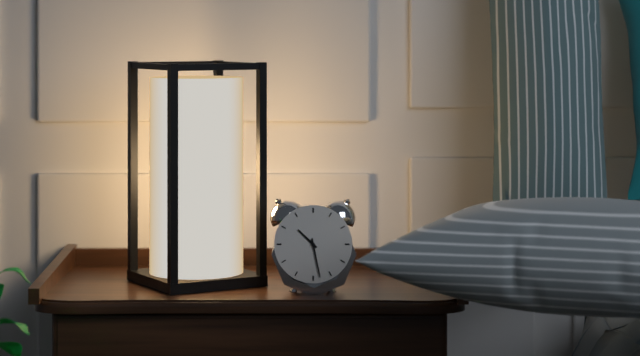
**10:28**
